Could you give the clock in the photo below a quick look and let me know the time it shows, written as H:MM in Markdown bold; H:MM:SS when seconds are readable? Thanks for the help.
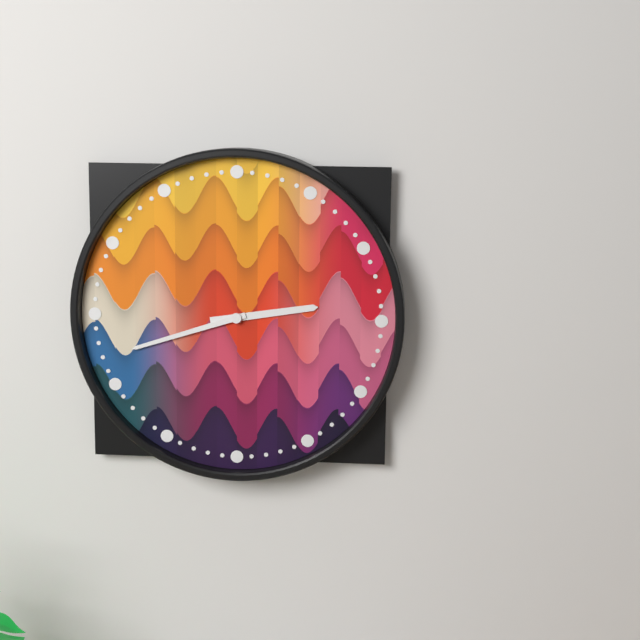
**2:42**
